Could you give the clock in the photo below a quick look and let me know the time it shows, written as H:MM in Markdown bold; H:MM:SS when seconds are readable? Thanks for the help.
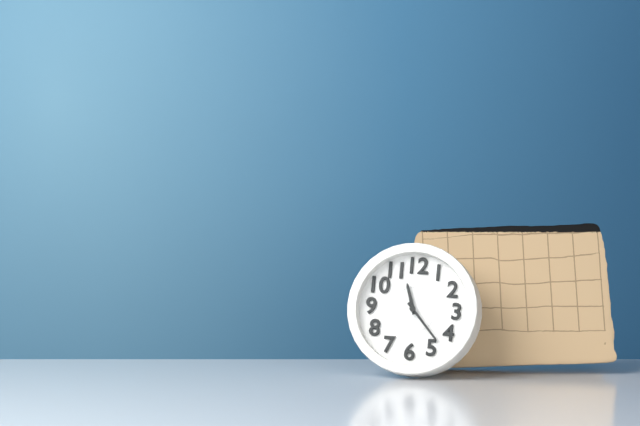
**11:23**
